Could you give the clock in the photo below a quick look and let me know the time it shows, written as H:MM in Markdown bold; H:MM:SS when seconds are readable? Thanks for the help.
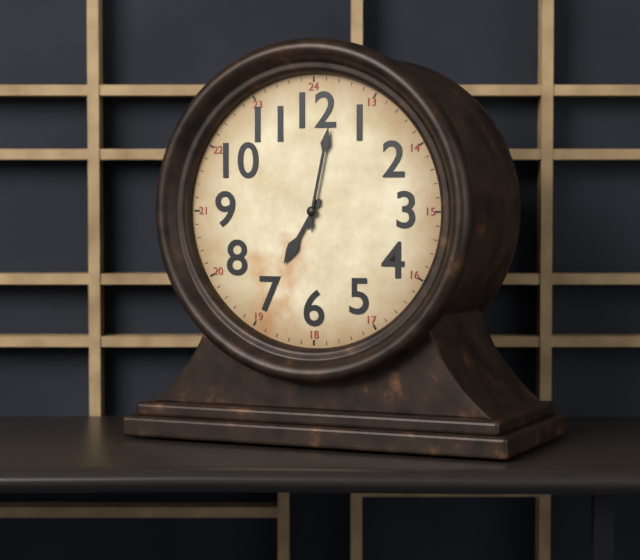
**7:02**
